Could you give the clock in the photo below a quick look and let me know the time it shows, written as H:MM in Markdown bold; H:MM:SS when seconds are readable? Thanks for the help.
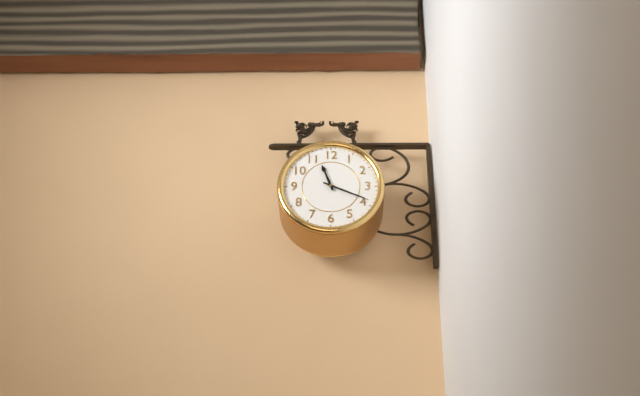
**11:19**
